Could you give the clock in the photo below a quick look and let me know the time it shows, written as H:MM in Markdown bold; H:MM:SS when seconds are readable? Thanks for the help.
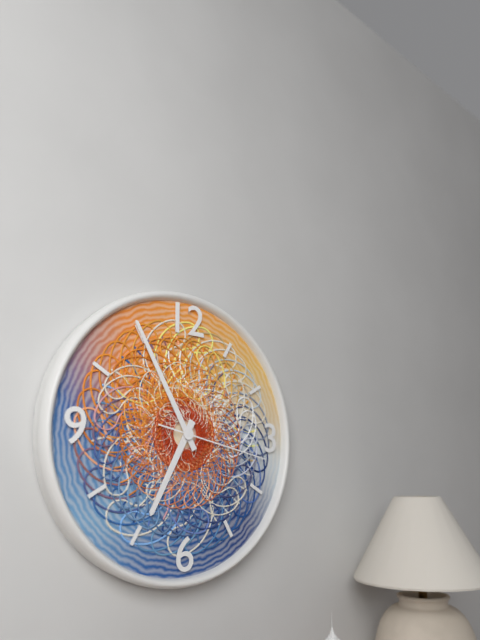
**6:55:17**
